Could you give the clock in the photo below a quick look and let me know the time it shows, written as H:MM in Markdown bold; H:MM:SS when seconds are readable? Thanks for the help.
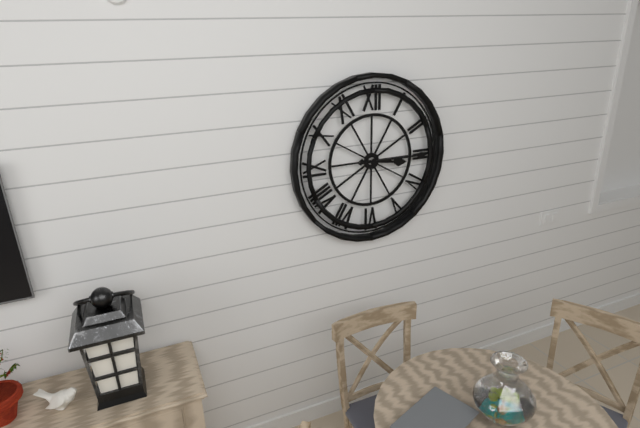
**3:15**
